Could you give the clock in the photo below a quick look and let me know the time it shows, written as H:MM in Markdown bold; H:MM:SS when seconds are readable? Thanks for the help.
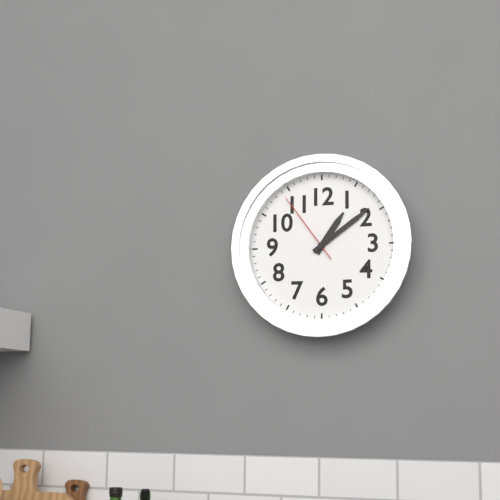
**1:09:54**
